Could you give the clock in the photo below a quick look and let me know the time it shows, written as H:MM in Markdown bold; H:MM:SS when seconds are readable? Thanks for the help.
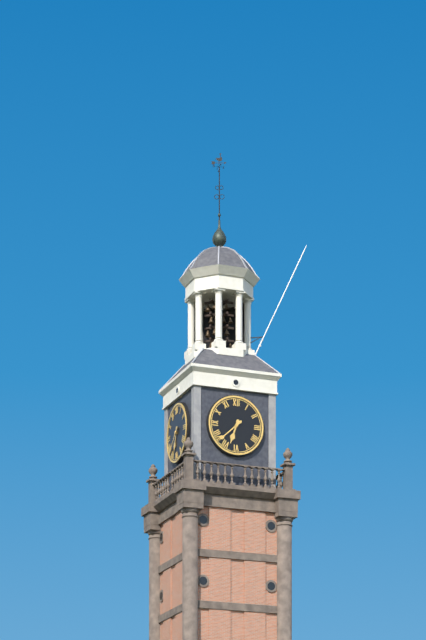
**6:38**
